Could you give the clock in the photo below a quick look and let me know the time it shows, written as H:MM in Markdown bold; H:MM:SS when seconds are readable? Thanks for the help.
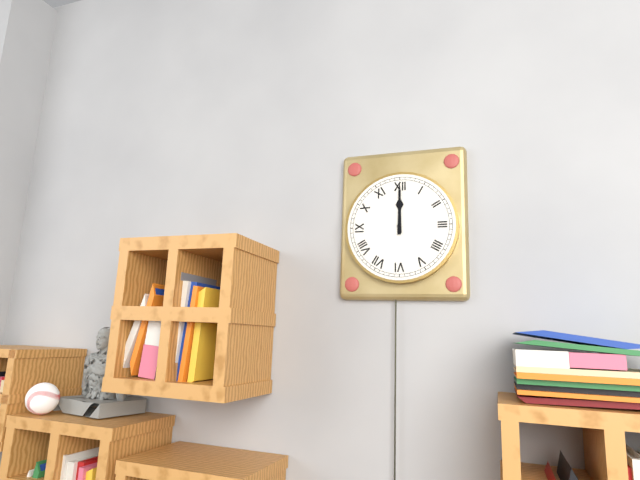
**12:00**
